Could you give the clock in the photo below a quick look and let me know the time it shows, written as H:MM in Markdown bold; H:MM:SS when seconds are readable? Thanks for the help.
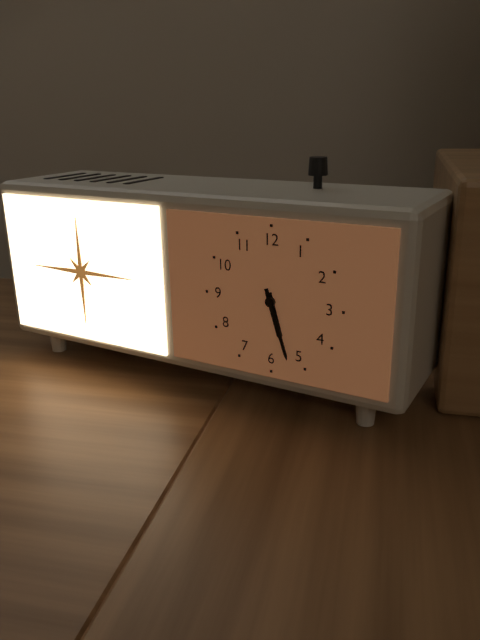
**5:27**
